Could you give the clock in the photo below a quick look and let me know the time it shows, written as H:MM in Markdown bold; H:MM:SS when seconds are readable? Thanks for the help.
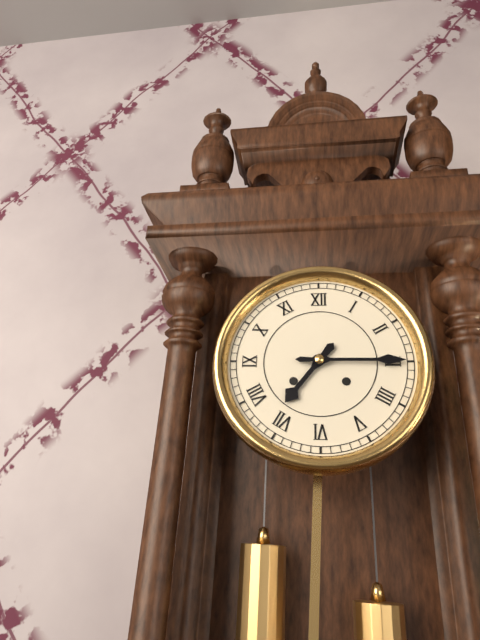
**7:15**
